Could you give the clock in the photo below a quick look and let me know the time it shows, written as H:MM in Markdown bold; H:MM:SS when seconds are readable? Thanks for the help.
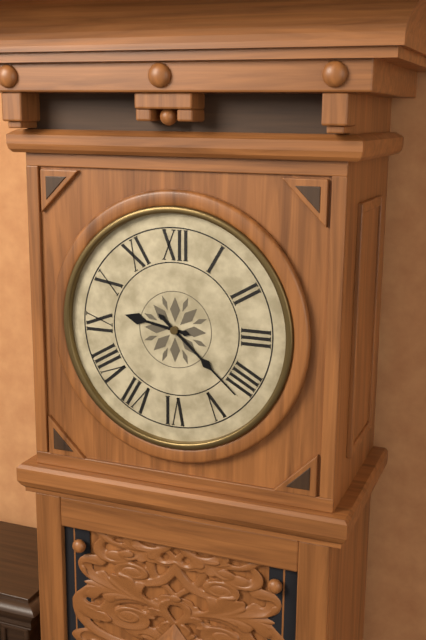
**9:22**
